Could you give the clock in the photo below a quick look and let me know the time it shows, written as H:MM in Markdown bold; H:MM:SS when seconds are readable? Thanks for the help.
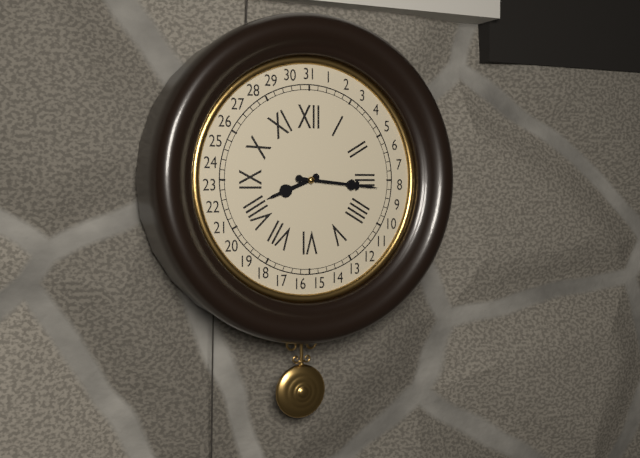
**8:16**
